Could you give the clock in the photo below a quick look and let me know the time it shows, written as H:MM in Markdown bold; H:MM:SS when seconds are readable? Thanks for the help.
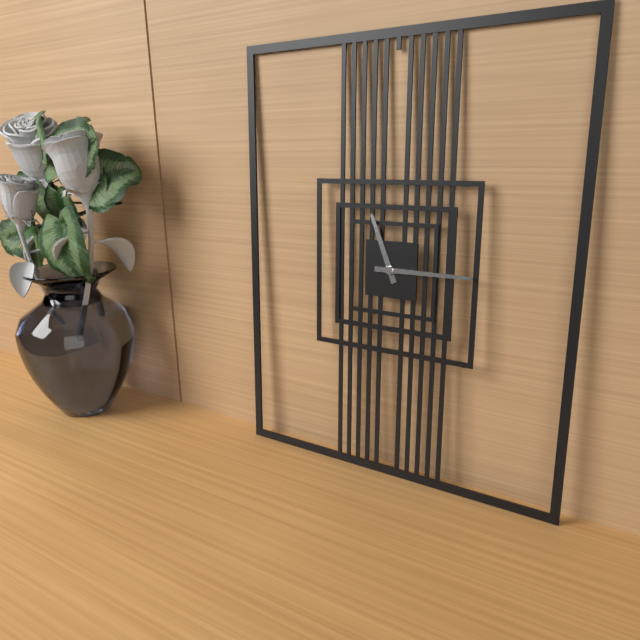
**11:15**
